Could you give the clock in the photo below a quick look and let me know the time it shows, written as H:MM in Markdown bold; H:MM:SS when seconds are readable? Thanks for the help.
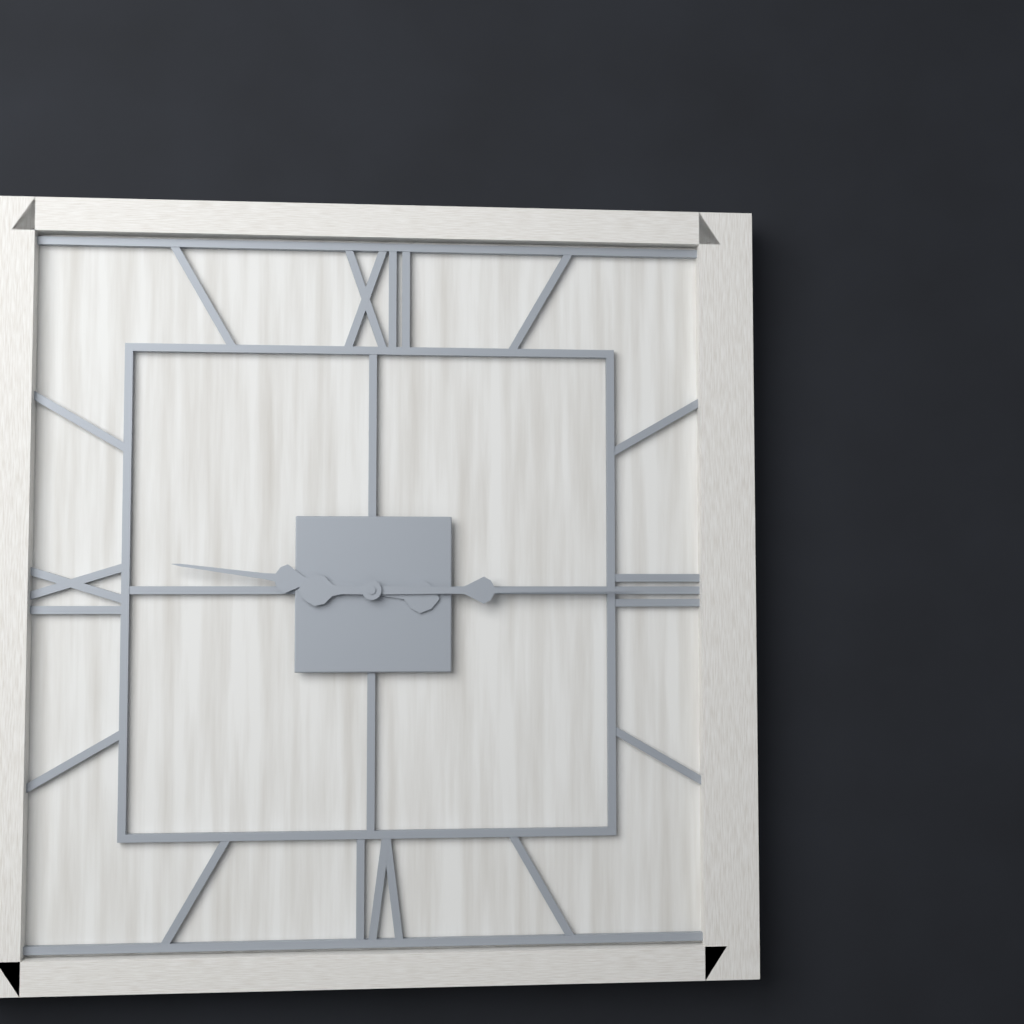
**9:15**
